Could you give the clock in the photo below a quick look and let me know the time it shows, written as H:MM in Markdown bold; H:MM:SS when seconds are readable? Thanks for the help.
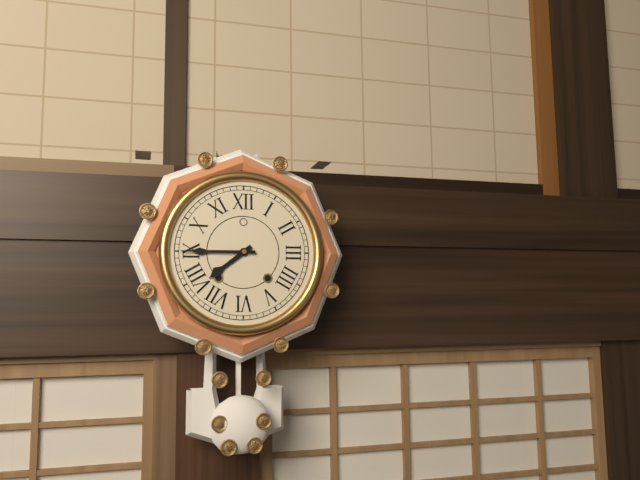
**7:45**
